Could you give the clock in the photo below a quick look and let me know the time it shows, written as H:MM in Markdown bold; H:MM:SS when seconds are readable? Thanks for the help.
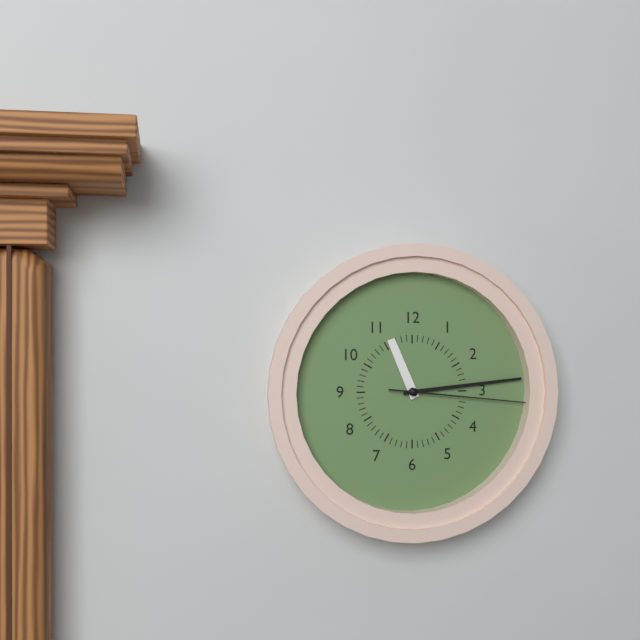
**11:14:16**
